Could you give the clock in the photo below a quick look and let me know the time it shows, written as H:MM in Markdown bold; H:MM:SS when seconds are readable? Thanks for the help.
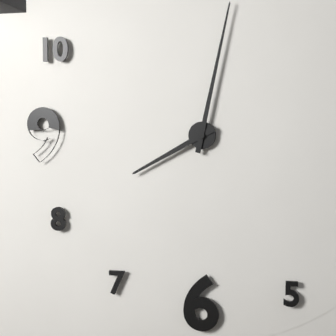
**8:02**
